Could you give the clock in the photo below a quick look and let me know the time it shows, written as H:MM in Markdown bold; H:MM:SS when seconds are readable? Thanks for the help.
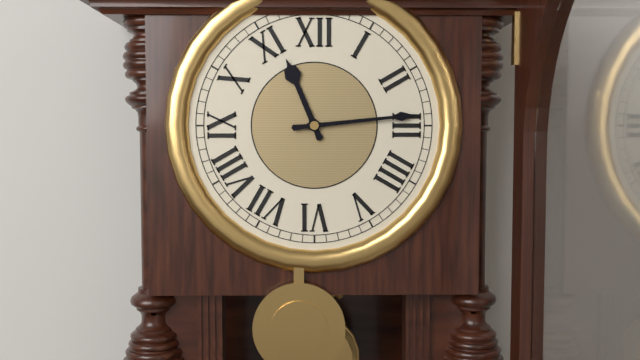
**11:14**
